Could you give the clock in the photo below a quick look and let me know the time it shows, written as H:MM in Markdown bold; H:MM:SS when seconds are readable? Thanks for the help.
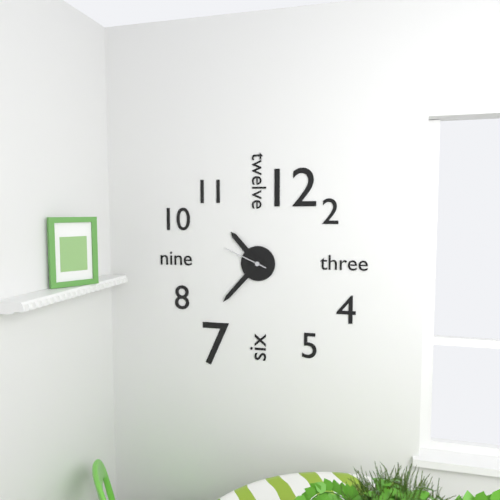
**10:37**
